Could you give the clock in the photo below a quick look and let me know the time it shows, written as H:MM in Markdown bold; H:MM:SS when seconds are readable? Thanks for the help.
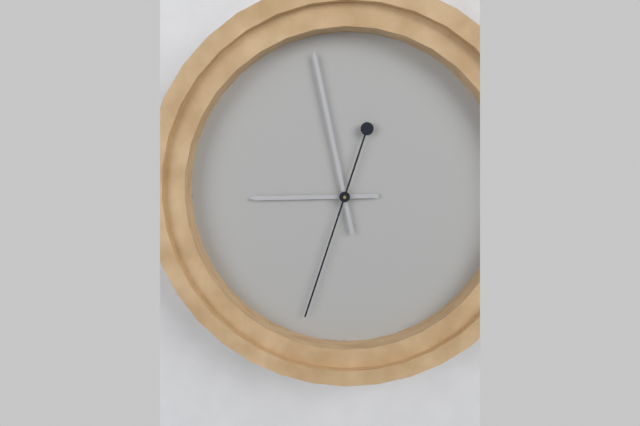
**8:58:33**
